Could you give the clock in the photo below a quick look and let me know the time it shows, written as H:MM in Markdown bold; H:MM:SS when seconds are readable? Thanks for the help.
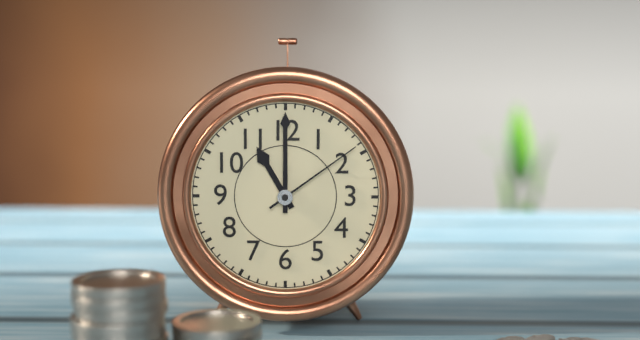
**11:00:09**
